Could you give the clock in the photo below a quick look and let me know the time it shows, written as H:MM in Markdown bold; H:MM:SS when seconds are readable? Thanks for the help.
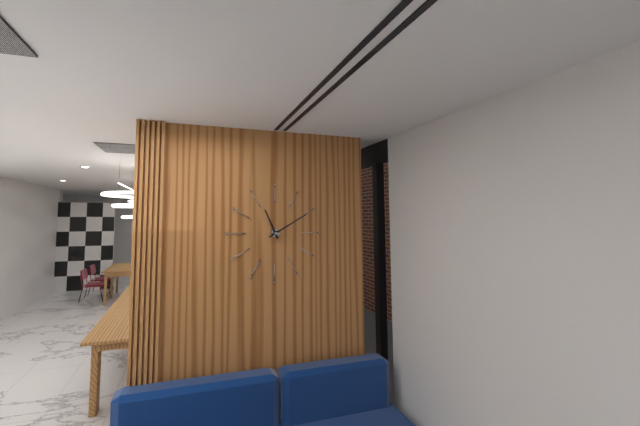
**11:10**
